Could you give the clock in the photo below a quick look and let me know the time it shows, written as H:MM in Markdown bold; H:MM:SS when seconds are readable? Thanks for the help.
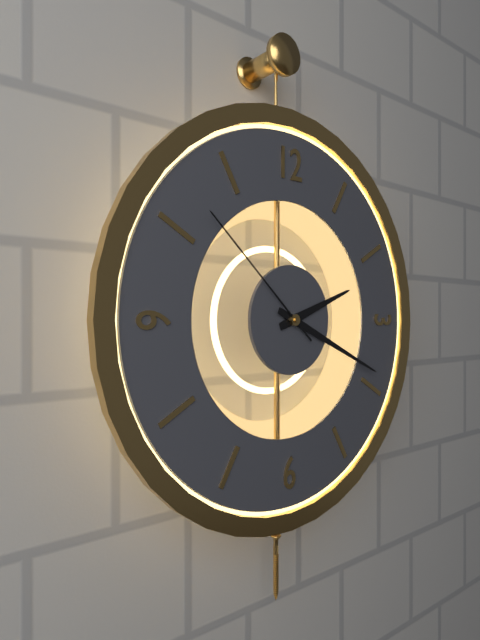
**2:19:52**
